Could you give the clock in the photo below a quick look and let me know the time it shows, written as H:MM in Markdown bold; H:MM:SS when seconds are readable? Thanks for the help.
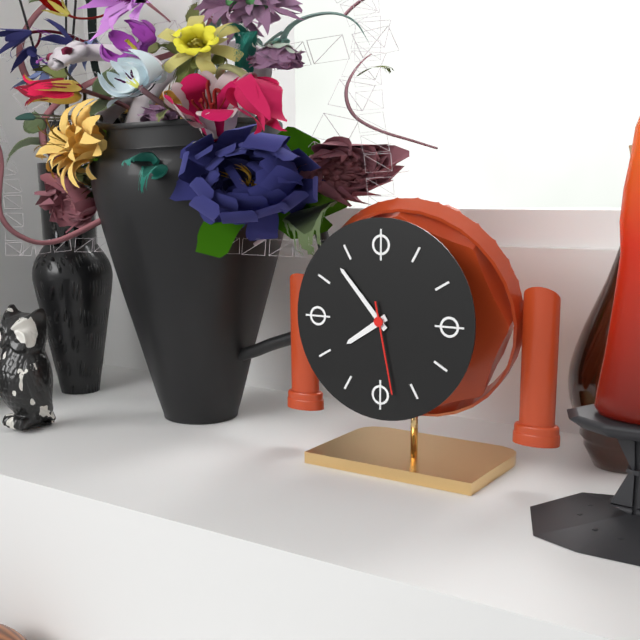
**7:53:28**
